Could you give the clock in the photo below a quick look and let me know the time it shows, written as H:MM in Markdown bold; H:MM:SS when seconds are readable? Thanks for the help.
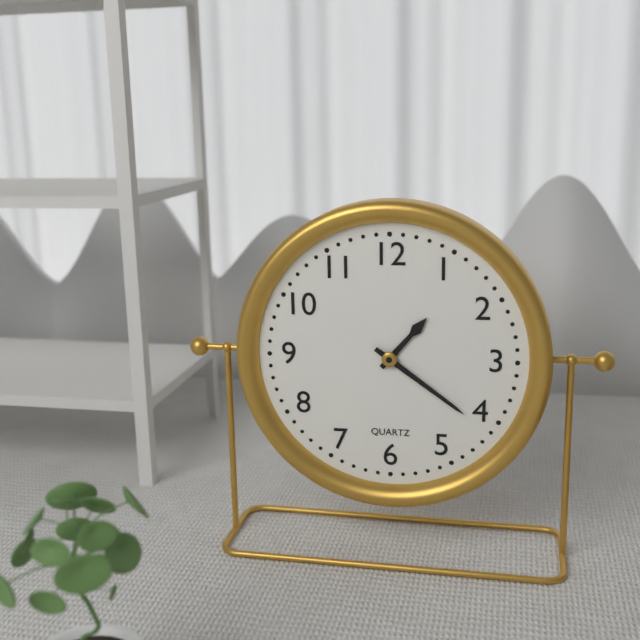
**1:21**
